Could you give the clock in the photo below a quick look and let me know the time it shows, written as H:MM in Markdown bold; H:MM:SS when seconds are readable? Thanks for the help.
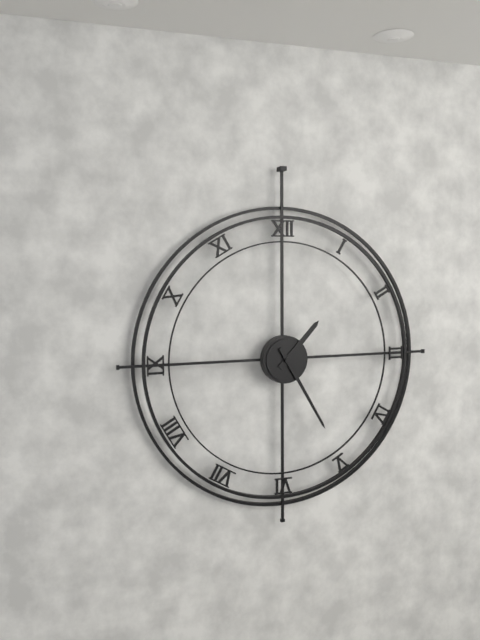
**1:25**
